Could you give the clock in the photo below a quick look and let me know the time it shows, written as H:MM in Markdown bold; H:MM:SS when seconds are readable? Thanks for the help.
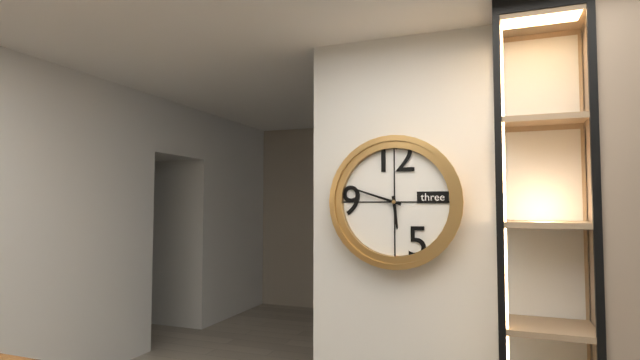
**5:48**
